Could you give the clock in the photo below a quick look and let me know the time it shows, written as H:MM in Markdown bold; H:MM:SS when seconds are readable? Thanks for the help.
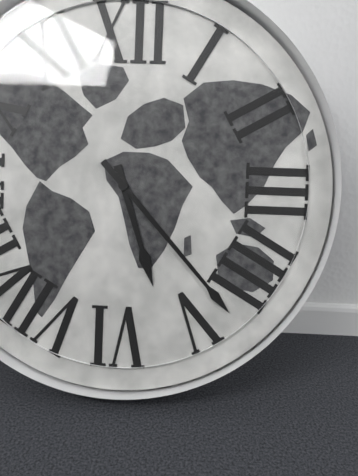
**5:23**
